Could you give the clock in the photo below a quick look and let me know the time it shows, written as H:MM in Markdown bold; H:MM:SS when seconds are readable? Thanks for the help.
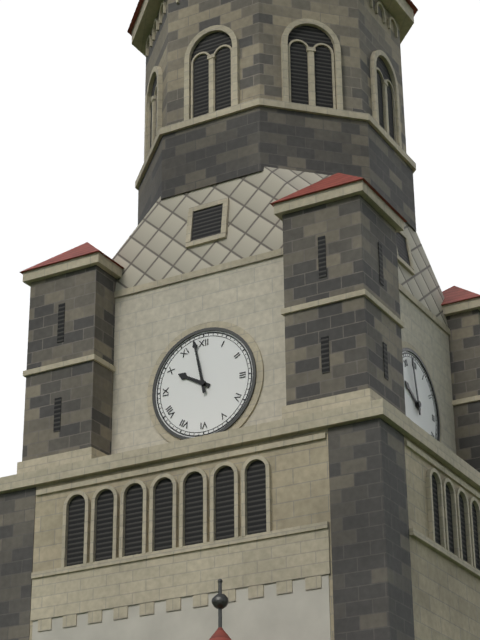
**9:58**
